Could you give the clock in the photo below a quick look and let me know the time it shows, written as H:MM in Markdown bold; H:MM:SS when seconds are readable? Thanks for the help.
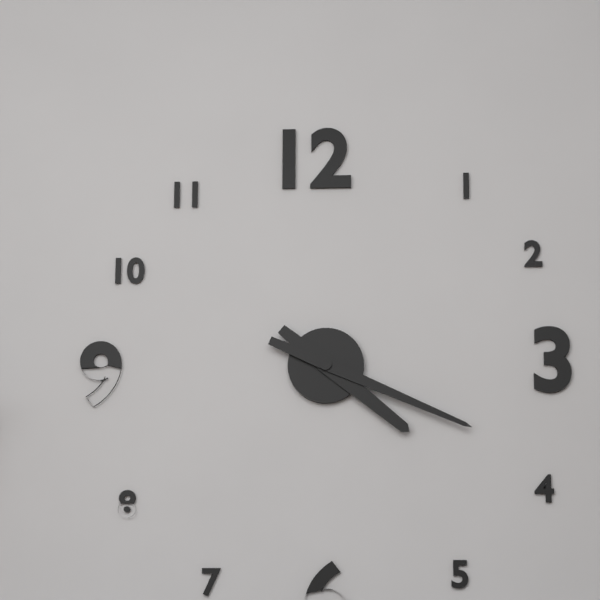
**4:19**
